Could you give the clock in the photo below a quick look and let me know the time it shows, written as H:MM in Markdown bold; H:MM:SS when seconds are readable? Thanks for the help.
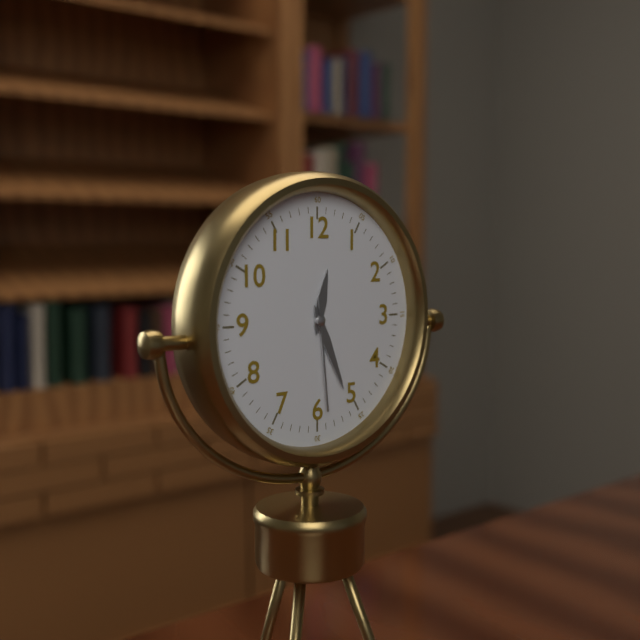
**12:26:29**
